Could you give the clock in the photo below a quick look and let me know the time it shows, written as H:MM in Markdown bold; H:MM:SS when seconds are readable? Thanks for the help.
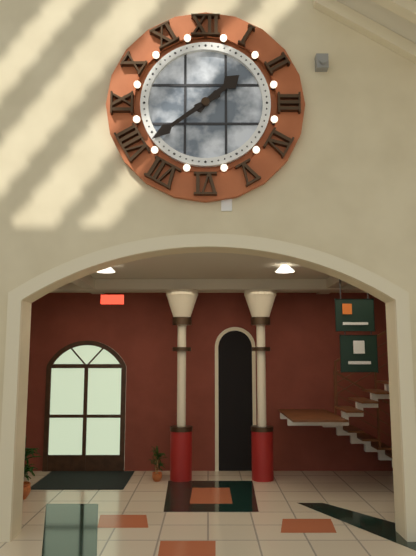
**1:39**
